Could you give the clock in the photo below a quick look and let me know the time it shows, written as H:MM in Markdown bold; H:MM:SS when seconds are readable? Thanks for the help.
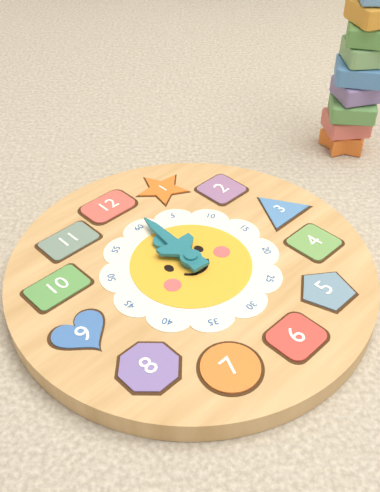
**12:01**
